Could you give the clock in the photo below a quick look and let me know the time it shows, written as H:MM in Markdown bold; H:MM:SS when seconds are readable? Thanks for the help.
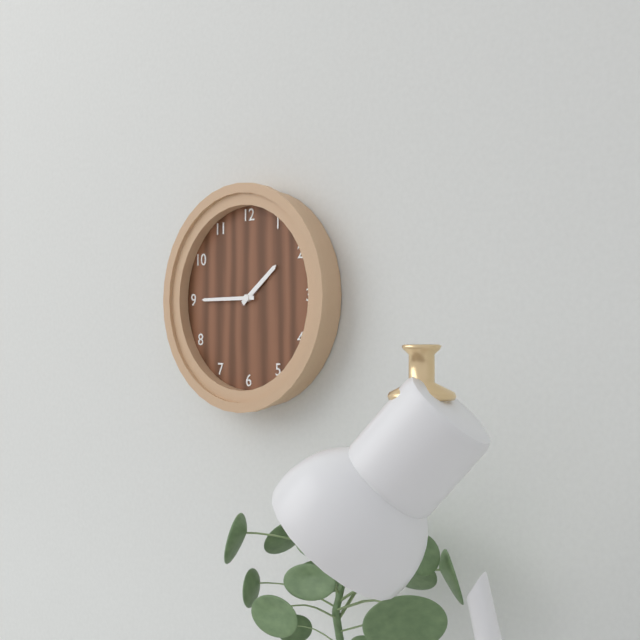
**1:45**
